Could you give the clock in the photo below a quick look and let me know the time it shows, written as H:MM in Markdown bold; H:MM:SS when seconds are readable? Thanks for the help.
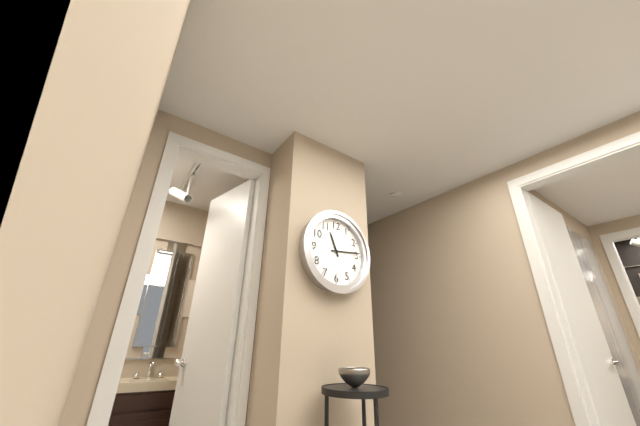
**11:14**
